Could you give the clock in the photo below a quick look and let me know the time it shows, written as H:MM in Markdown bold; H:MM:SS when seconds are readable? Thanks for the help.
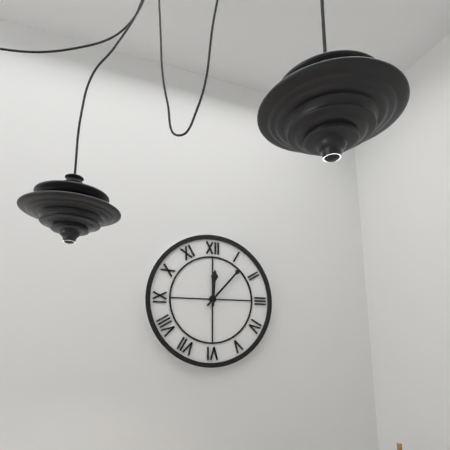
**12:07**
